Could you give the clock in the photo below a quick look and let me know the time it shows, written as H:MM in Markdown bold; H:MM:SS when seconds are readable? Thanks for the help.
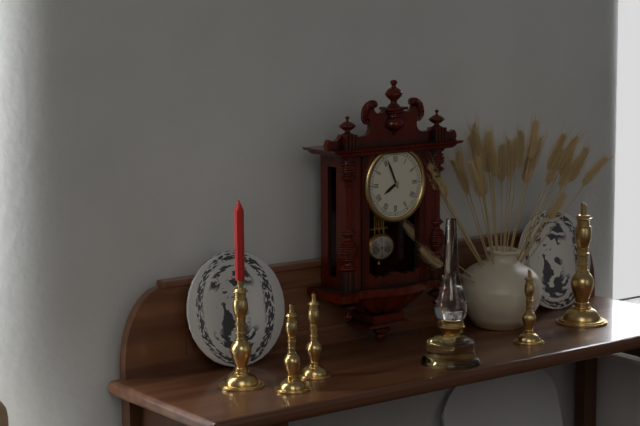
**7:56**
